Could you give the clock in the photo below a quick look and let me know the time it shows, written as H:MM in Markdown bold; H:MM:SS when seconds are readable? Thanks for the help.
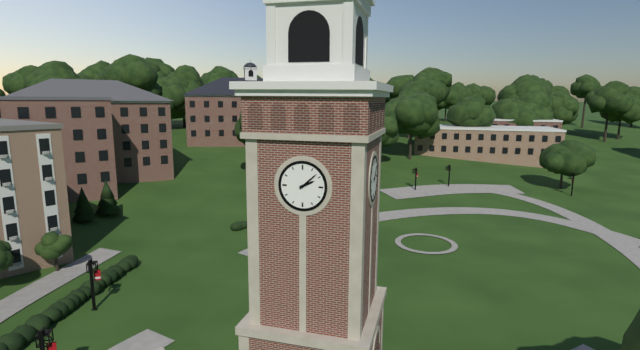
**2:08**
